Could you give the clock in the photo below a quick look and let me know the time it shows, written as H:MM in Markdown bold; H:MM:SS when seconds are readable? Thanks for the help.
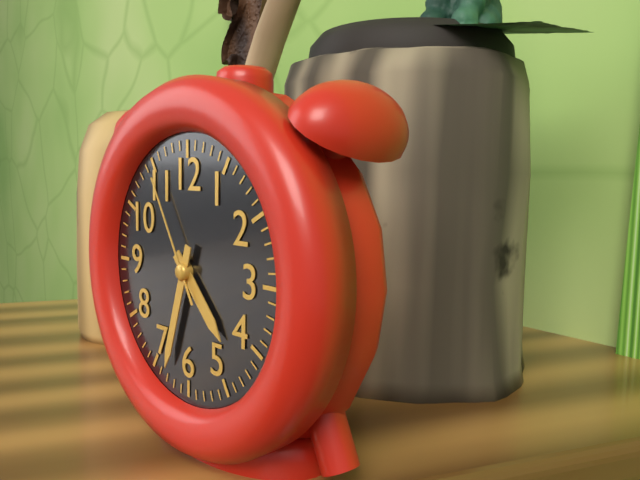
**4:33:55**
